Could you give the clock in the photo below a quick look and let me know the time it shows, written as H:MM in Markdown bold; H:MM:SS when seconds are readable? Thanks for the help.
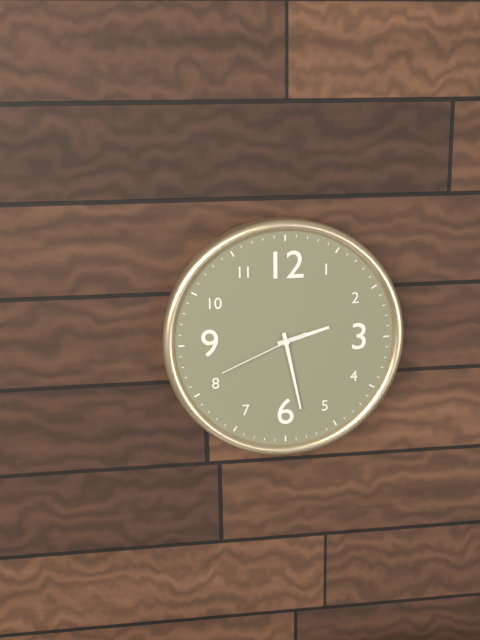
**2:28:41**
